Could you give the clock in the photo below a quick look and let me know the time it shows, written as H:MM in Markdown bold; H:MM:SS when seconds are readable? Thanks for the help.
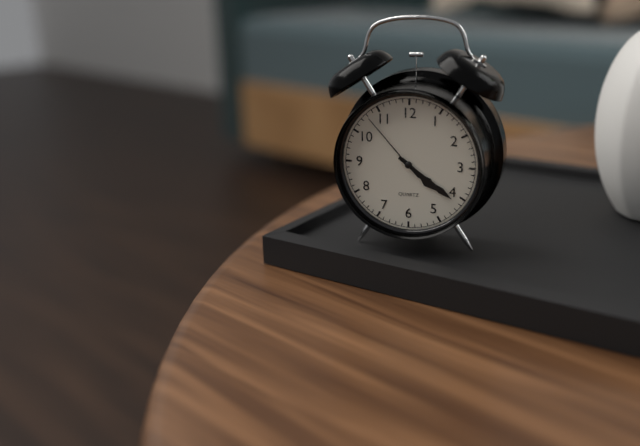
**4:21:53**
